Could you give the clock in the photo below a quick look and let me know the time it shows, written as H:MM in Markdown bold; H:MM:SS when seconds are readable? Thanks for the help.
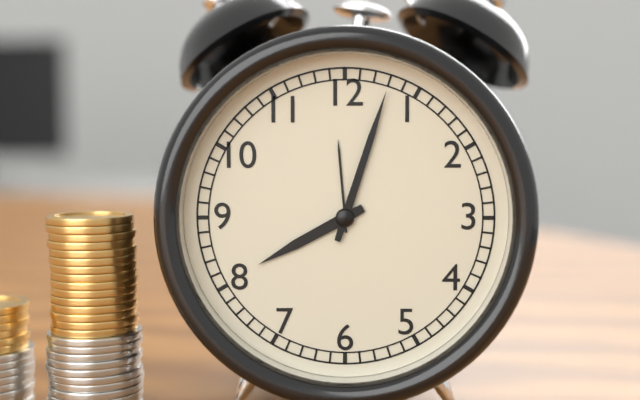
**8:03**
